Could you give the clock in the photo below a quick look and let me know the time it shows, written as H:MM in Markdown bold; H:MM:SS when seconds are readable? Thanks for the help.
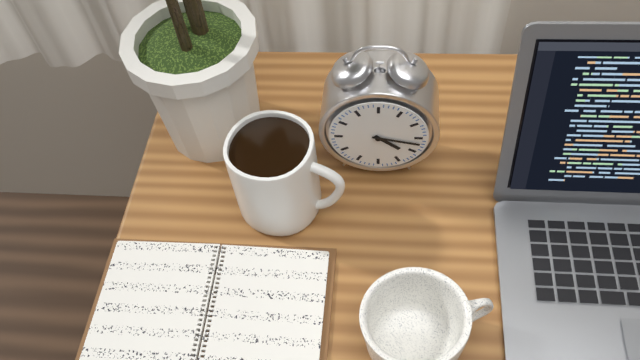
**4:17**
